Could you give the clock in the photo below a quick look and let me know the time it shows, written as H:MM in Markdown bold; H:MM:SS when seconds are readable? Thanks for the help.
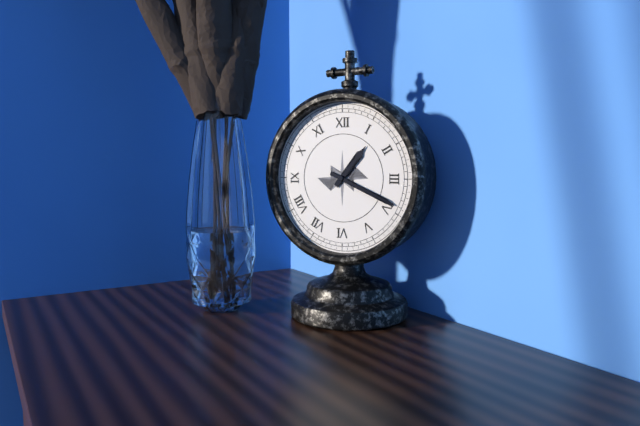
**1:19**
